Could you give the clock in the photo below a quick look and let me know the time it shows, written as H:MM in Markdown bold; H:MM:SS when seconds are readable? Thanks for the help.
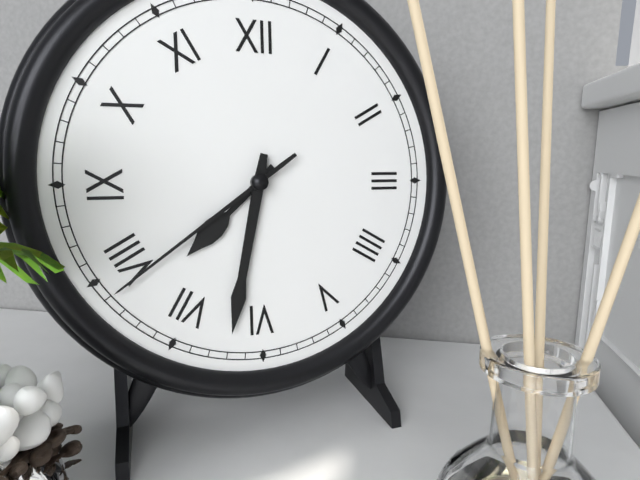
**7:32:39**
